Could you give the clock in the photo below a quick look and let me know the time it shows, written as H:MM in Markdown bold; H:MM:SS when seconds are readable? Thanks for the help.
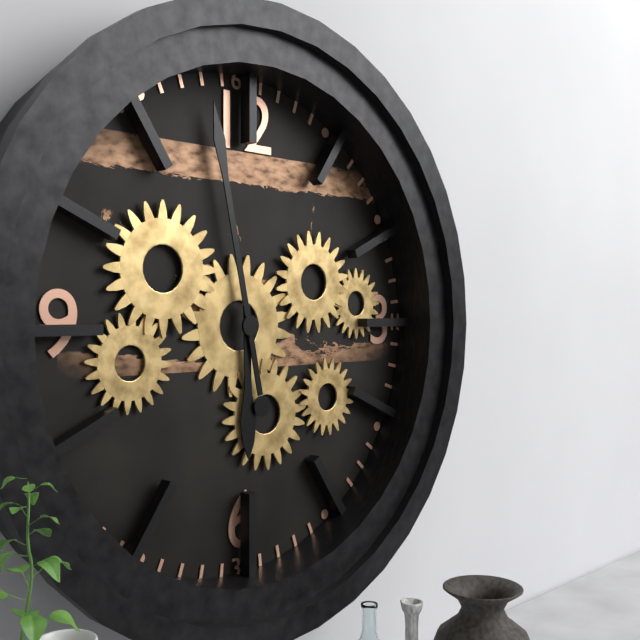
**5:58**
